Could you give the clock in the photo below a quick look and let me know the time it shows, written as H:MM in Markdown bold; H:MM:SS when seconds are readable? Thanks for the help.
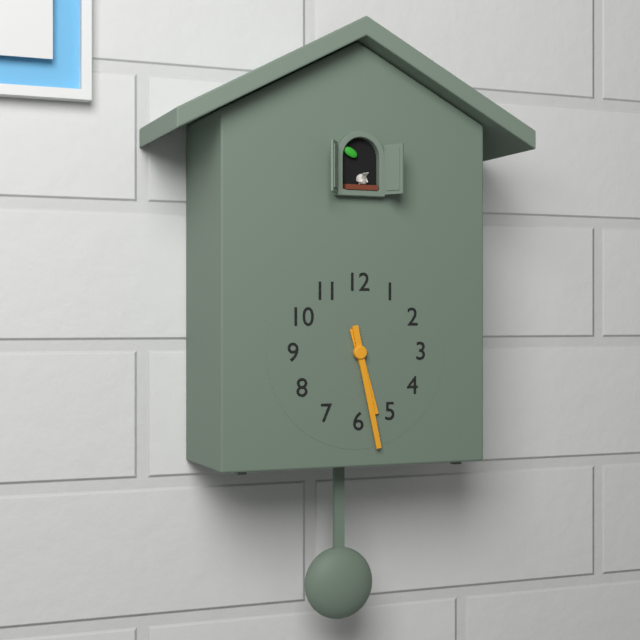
**5:28**
